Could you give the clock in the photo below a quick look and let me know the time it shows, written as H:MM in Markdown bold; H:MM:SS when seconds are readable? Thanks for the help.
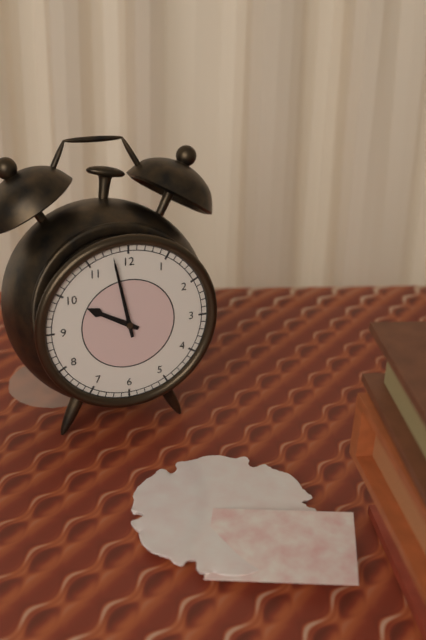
**9:58**
